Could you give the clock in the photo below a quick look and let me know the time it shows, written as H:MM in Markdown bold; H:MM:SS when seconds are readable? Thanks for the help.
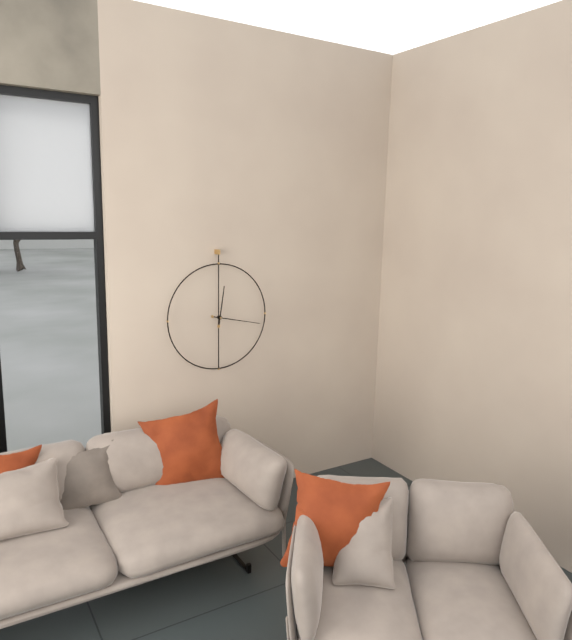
**12:17**
